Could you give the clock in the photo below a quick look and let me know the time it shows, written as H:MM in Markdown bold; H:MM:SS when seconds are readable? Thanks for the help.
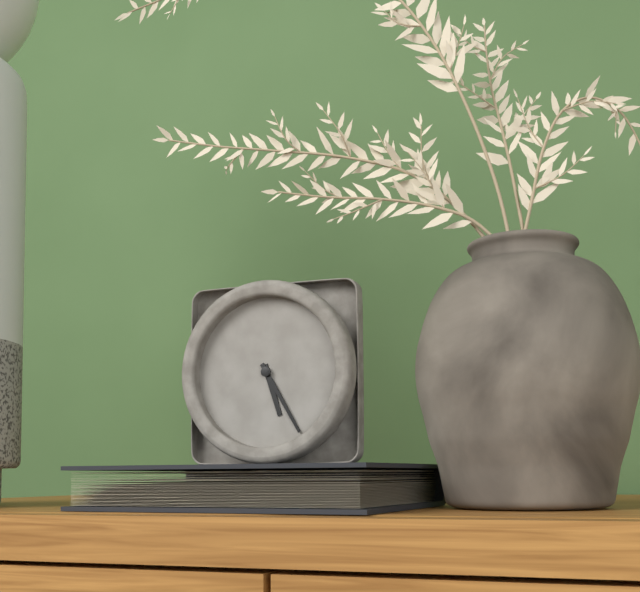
**5:25**
